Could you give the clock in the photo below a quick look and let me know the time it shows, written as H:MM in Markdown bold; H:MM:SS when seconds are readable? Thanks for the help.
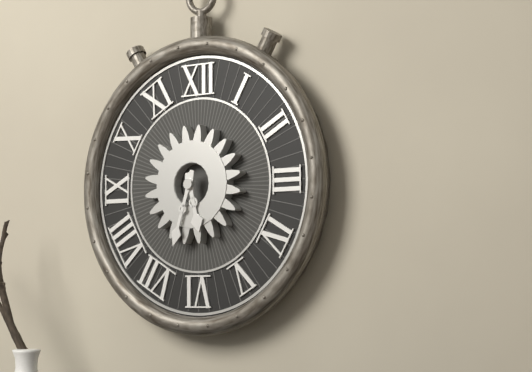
**5:33**
